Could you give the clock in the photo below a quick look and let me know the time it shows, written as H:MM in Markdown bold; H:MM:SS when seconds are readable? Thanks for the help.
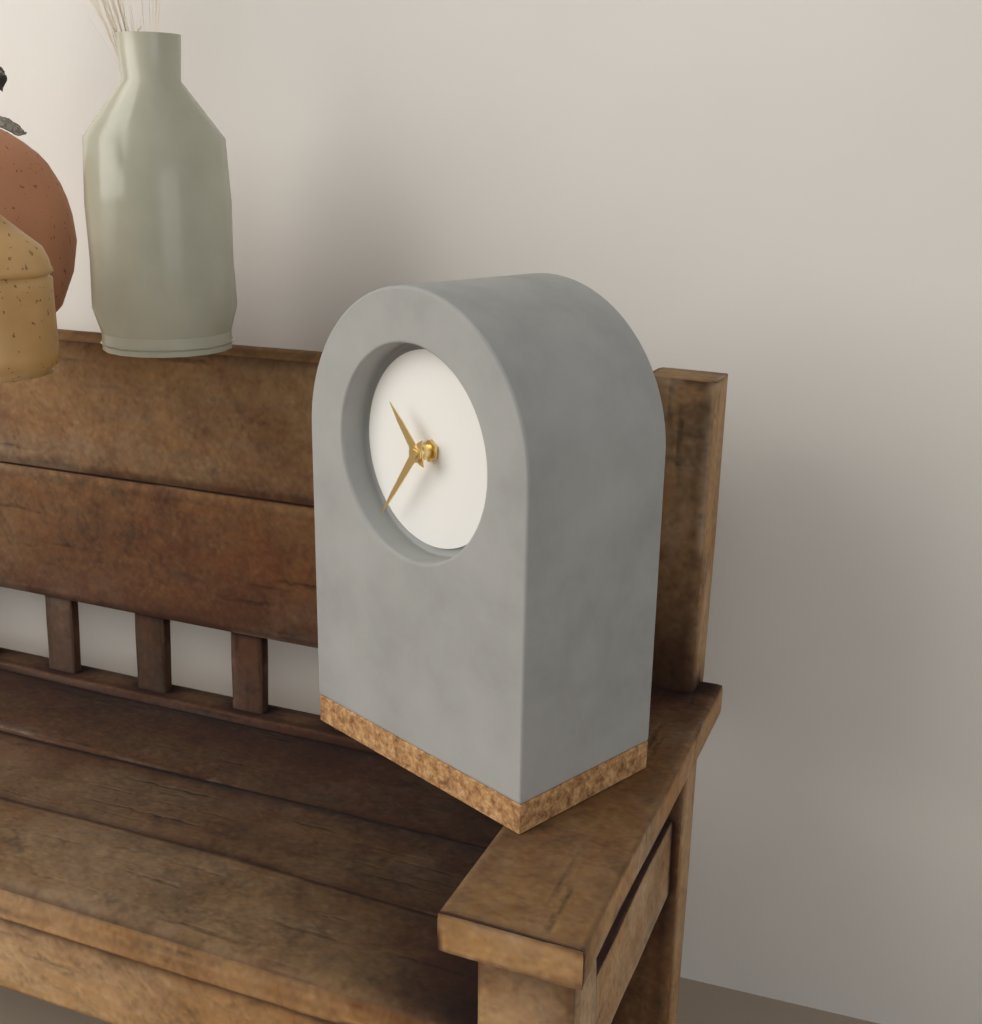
**10:36**
